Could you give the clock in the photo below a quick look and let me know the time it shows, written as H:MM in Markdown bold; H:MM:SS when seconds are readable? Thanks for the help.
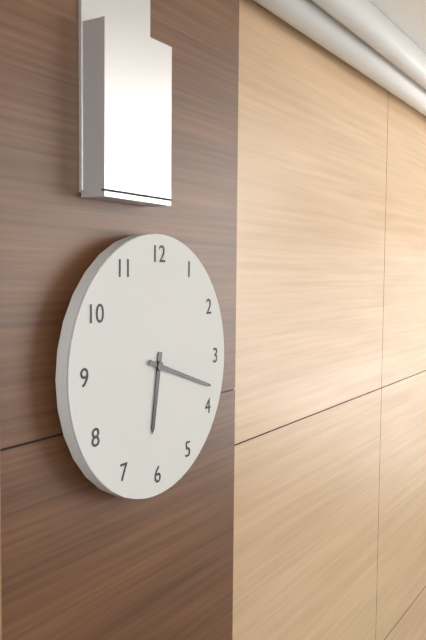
**6:18**
